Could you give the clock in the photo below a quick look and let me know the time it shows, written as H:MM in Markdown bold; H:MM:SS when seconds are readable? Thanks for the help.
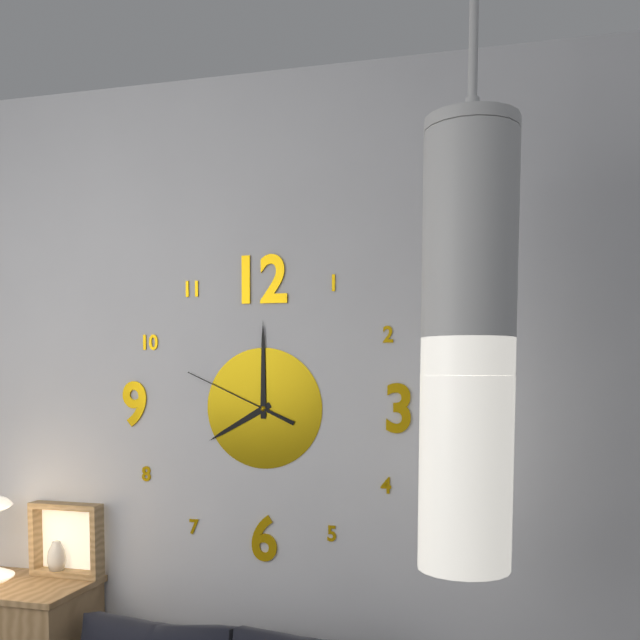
**8:00:49**
